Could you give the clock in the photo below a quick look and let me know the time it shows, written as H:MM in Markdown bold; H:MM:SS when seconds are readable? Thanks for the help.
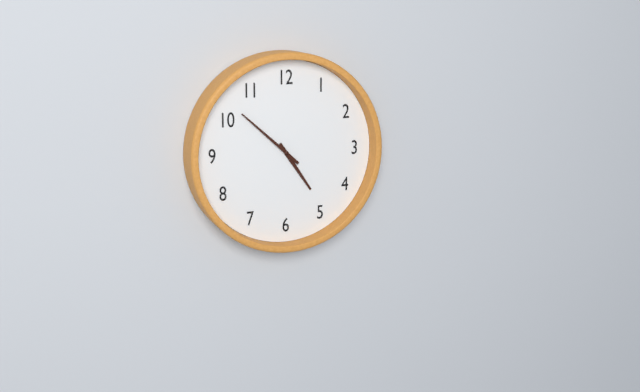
**4:52**
